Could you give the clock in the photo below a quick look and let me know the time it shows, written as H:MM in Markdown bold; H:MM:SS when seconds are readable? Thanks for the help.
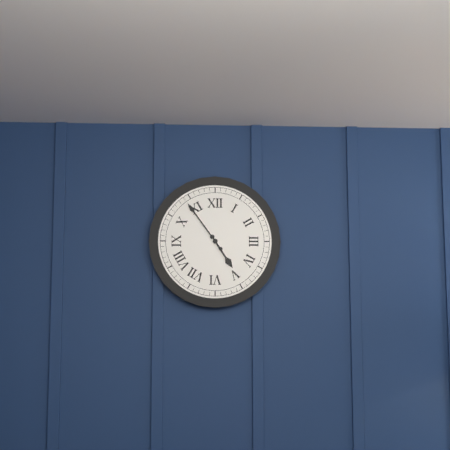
**4:54**
